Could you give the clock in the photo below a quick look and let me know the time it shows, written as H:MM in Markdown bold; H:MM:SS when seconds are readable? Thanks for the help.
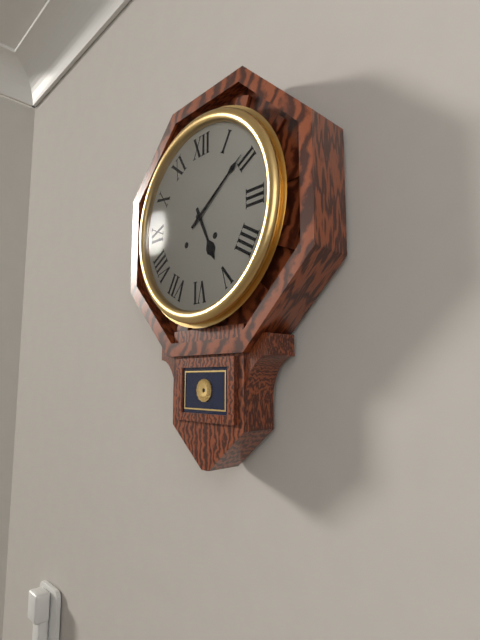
**5:09**
